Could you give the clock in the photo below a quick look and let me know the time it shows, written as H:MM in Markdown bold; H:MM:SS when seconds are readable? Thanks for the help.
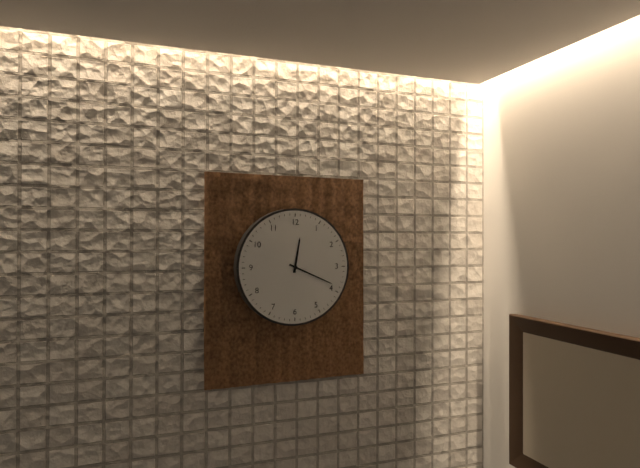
**12:19**
